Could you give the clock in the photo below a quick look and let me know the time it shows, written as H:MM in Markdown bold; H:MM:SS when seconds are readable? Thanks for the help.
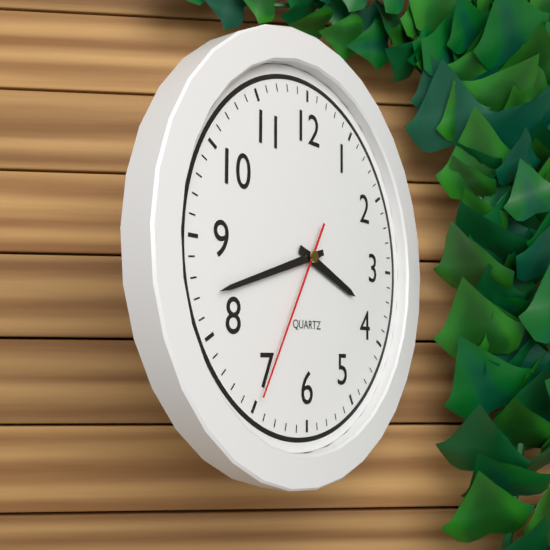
**3:42:35**
